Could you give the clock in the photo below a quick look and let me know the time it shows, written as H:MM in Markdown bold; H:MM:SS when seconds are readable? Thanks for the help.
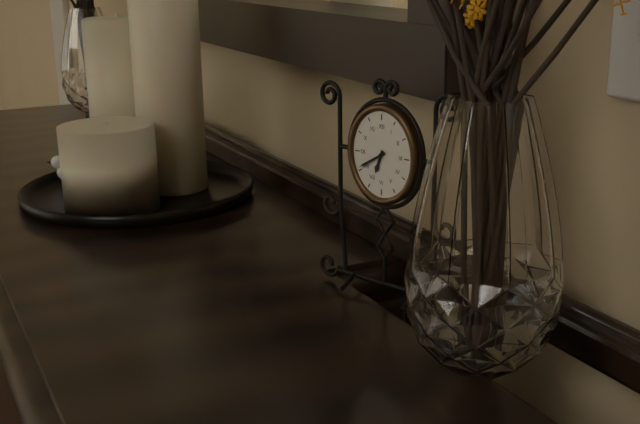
**6:40**
